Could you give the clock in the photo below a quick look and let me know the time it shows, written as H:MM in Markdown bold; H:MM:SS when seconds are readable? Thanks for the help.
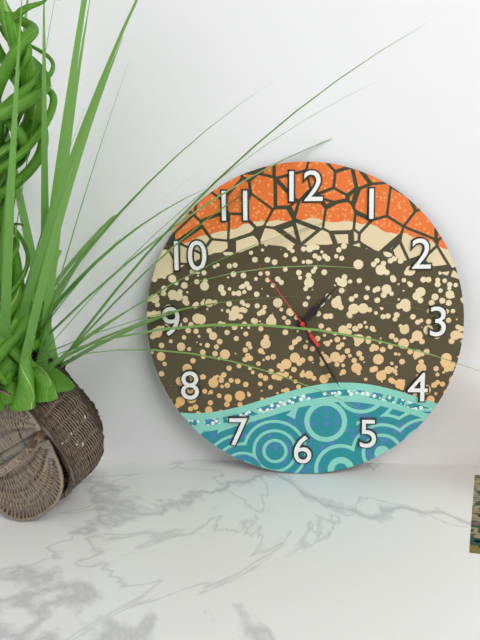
**1:25:54**
